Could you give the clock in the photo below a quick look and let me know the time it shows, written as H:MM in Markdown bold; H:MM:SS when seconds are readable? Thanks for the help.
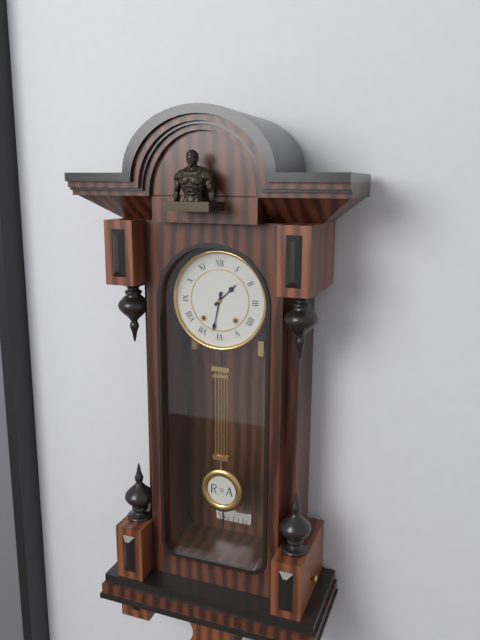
**1:32**
